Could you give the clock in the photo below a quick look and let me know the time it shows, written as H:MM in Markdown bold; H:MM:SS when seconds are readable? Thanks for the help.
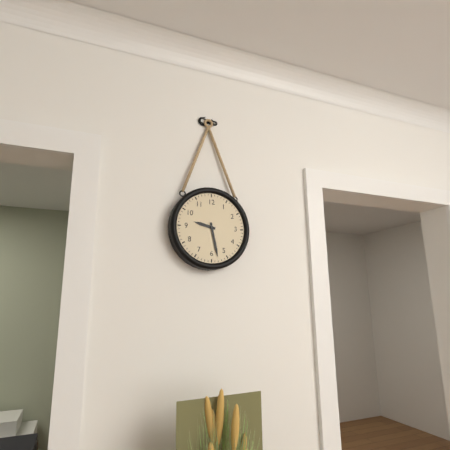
**9:28**
